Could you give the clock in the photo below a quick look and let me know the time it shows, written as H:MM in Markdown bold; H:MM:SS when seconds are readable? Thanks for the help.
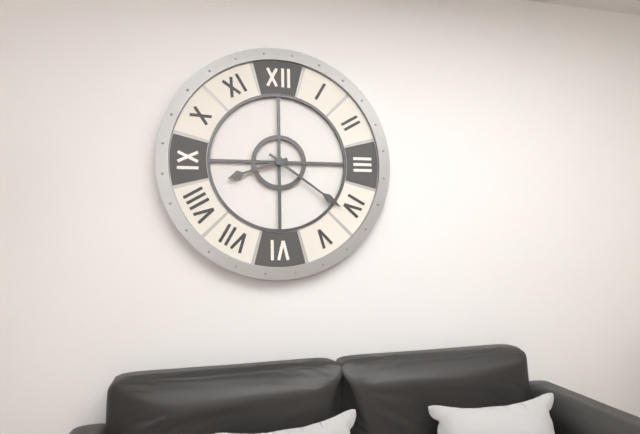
**8:21**
